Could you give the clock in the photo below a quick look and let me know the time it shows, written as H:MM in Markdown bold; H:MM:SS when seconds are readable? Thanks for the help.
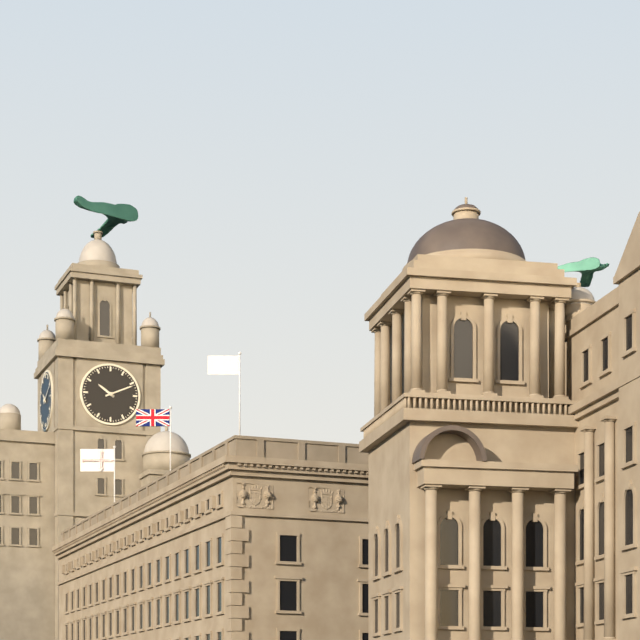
**10:11**
